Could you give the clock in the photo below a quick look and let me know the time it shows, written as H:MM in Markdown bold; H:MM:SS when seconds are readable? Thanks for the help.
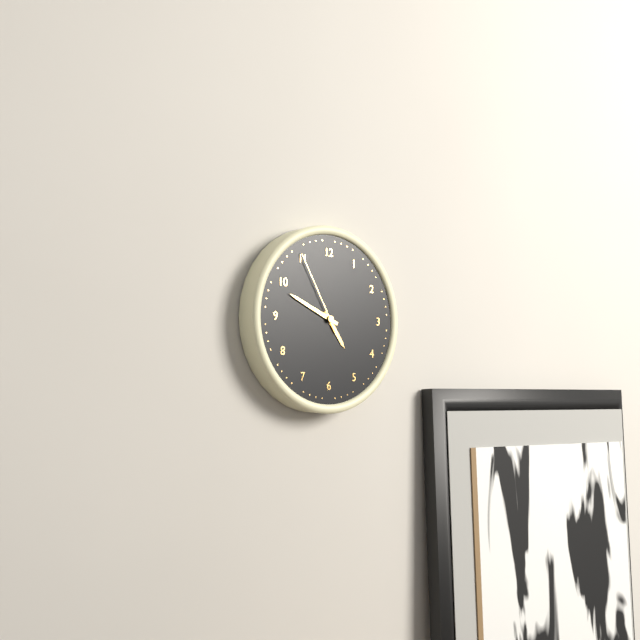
**4:49:55**
